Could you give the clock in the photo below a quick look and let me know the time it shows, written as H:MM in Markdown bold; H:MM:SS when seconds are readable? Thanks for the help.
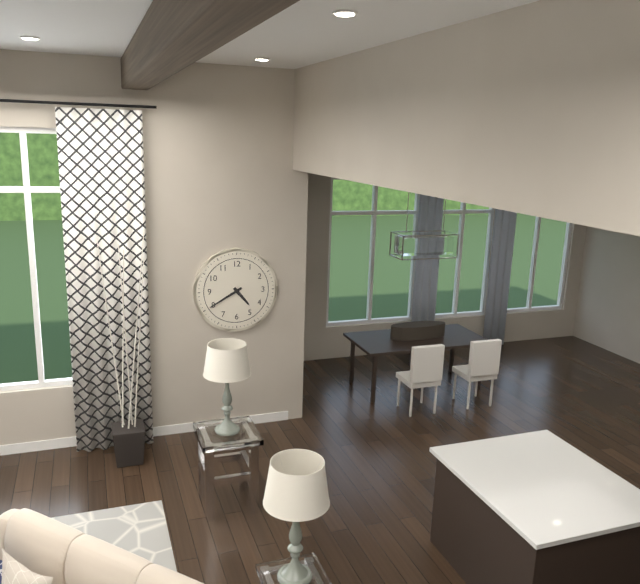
**4:40**
